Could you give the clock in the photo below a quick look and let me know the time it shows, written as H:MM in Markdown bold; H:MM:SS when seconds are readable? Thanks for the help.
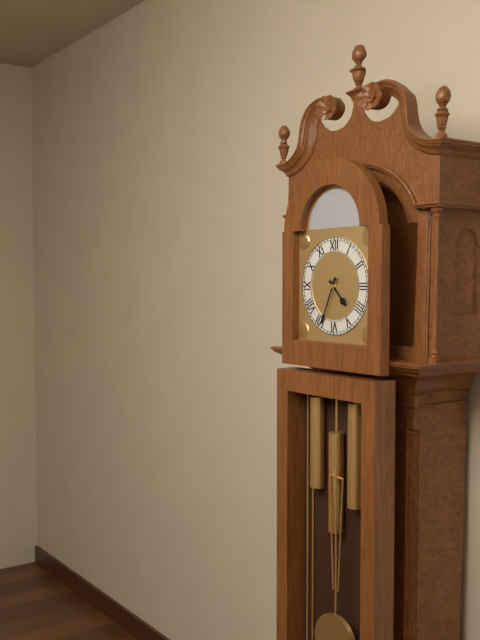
**4:34**
